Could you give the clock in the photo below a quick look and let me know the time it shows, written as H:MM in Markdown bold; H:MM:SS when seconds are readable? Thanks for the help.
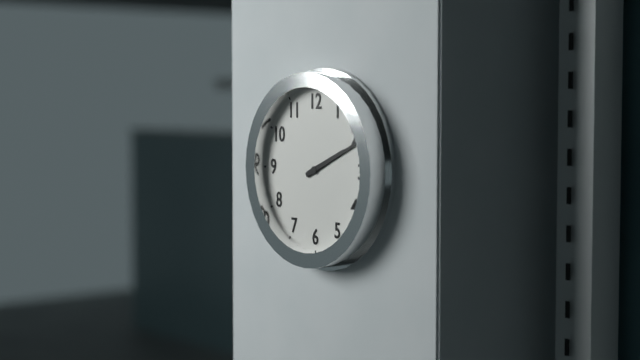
**2:11**
